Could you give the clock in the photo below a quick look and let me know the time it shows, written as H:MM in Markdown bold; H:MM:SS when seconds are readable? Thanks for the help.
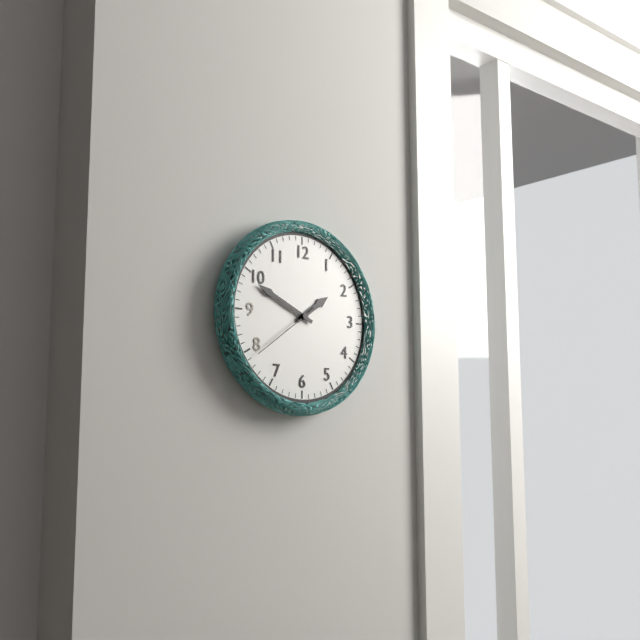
**1:49:39**
